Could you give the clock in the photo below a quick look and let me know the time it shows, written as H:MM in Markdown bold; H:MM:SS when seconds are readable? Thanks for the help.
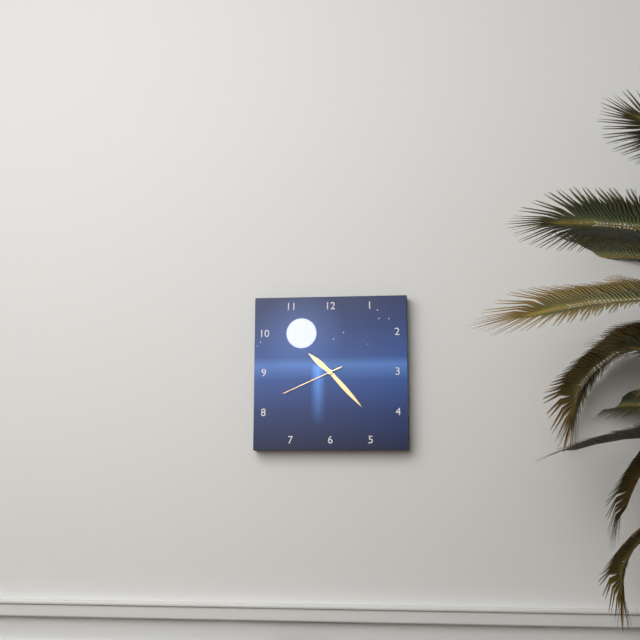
**10:23:41**
